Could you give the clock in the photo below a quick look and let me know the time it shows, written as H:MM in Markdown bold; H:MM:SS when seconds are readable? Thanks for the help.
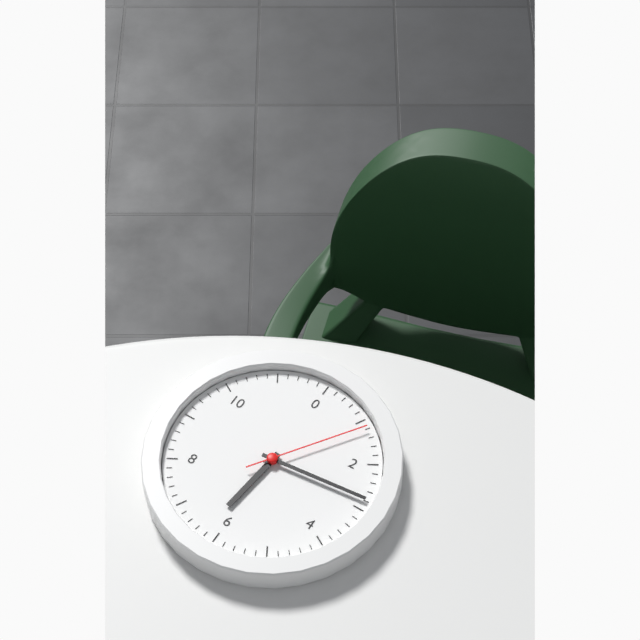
**6:14:06**
